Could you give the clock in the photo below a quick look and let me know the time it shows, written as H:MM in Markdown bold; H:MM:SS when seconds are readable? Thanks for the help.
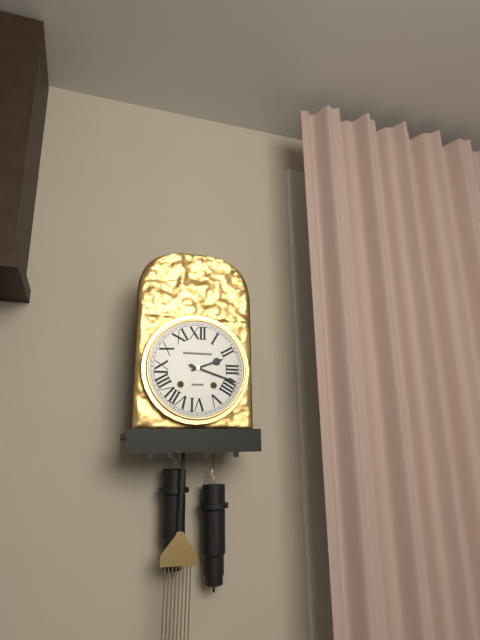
**2:18**
